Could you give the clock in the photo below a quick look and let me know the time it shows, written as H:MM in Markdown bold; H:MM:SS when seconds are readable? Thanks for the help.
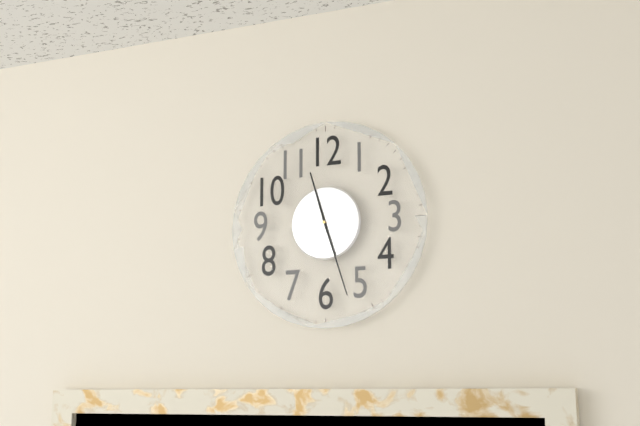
**11:27**
